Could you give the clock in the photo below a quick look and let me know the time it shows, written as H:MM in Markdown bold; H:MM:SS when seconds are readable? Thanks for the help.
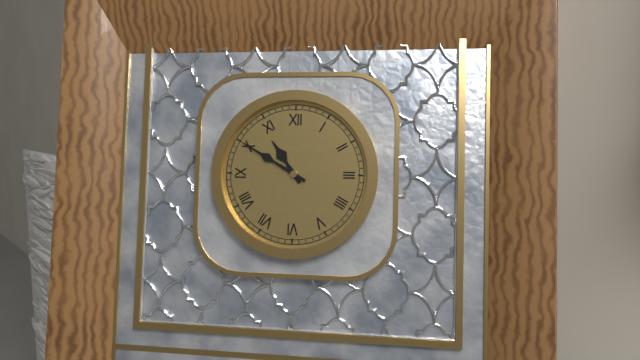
**10:50**
